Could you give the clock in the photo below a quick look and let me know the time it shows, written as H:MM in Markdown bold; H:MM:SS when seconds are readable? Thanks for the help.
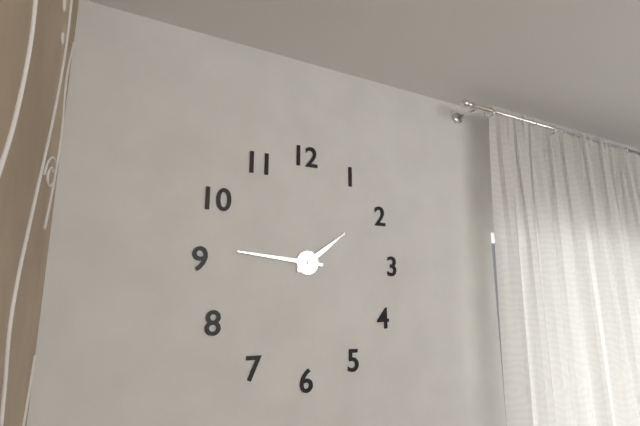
**1:46**
